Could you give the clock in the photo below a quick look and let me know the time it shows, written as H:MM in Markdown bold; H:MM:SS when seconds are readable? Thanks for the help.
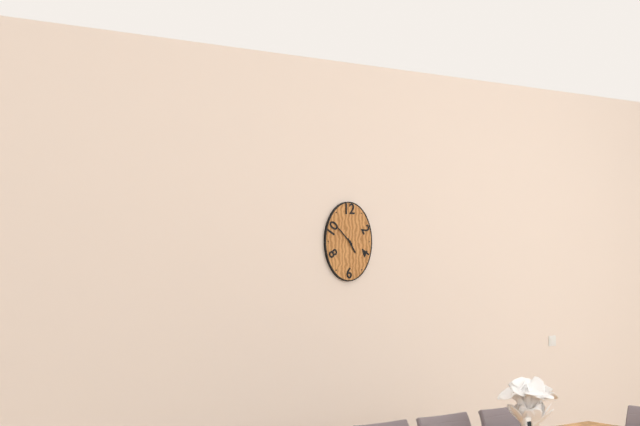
**4:52**
